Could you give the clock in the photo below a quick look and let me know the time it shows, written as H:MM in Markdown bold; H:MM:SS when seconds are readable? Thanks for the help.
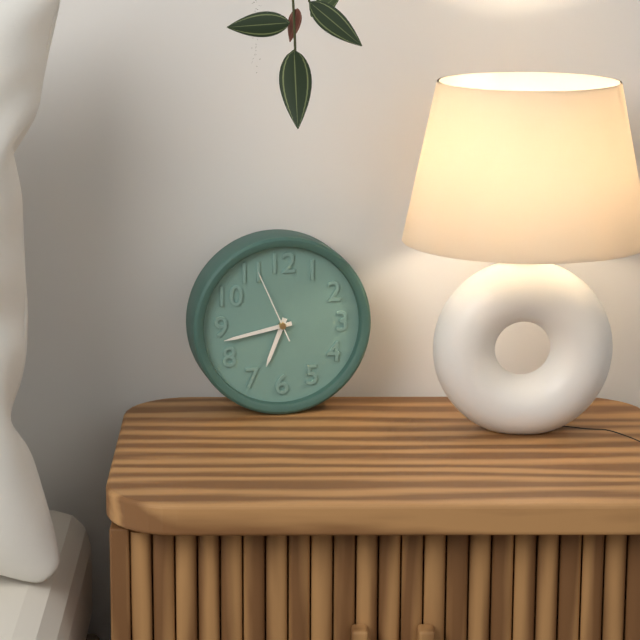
**6:43:56**
